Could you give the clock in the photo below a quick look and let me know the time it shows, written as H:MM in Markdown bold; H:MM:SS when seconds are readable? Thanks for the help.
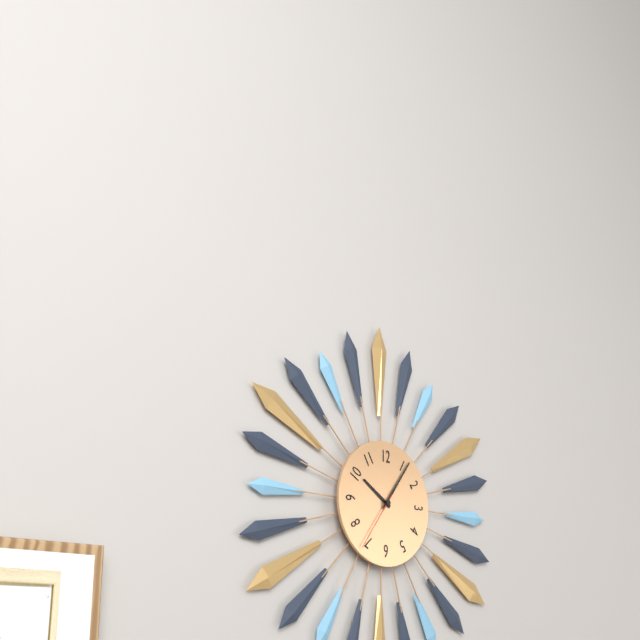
**10:06:36**
